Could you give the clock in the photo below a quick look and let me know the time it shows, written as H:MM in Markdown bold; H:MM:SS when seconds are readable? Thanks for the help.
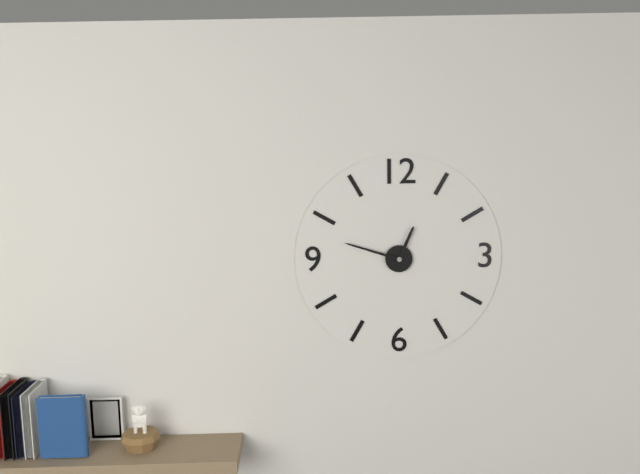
**12:48**
